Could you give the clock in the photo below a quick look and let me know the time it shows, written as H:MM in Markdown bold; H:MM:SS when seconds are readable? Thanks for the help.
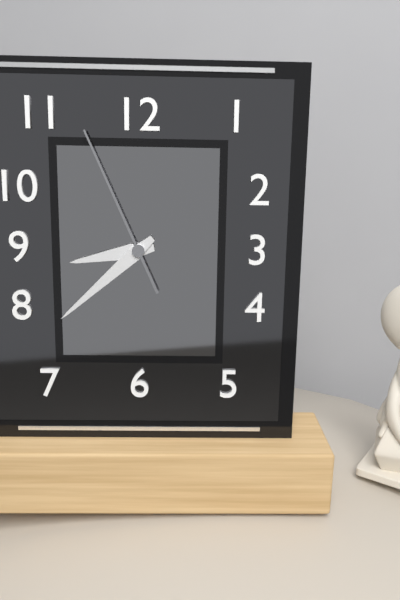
**8:38:56**
